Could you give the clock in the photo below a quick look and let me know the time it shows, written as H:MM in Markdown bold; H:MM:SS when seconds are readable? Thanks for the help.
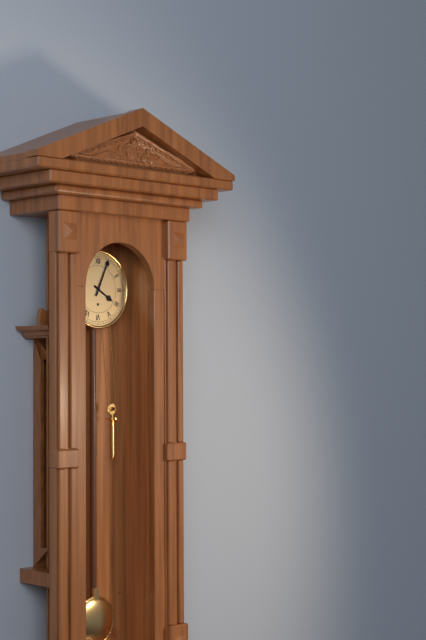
**4:04**
